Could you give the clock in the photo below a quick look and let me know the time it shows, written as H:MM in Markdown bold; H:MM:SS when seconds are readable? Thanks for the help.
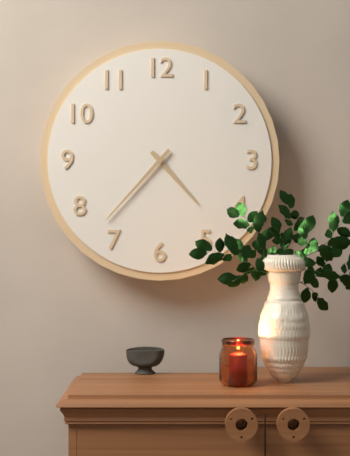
**4:37**
